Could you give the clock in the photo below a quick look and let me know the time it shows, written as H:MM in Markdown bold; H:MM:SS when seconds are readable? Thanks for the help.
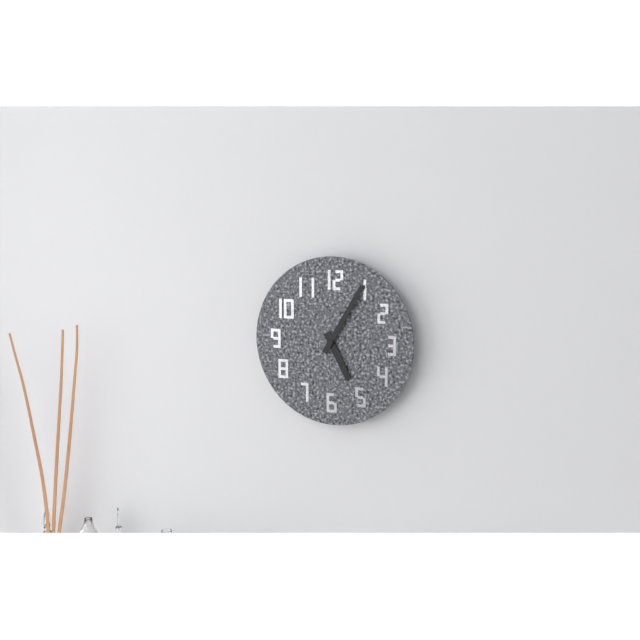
**5:05**
